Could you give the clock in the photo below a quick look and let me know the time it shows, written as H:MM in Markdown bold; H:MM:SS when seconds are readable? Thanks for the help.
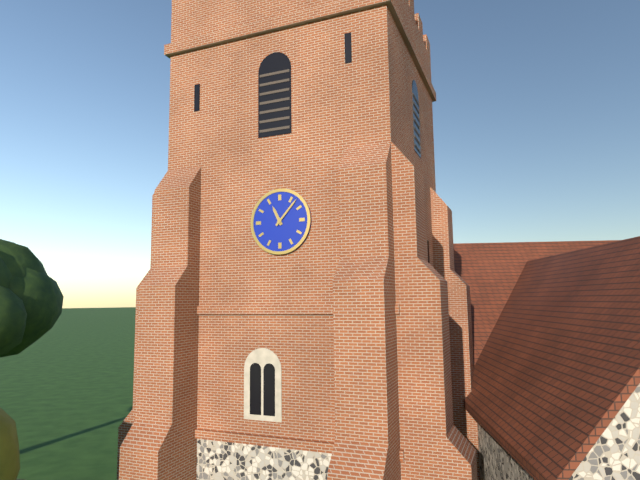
**11:07**
